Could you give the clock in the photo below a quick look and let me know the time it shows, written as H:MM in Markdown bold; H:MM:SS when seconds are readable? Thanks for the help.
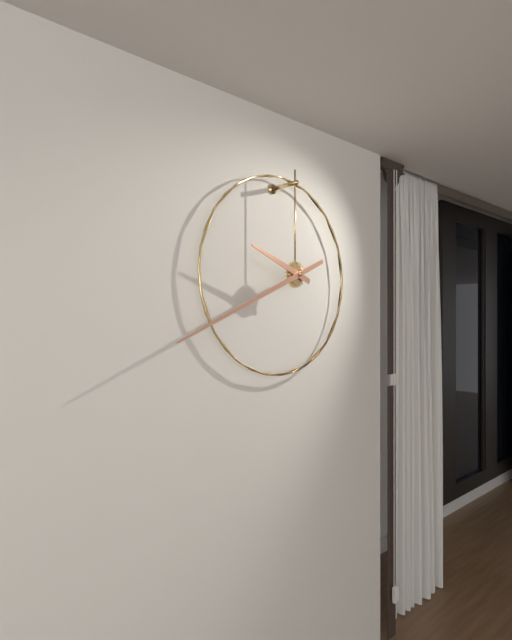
**9:41**
